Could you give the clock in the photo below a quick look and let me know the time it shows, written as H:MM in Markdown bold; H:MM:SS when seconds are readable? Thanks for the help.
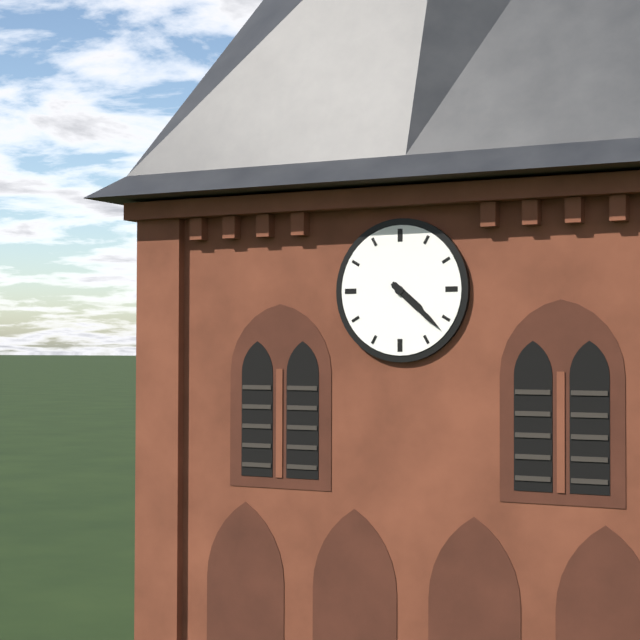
**4:22**
